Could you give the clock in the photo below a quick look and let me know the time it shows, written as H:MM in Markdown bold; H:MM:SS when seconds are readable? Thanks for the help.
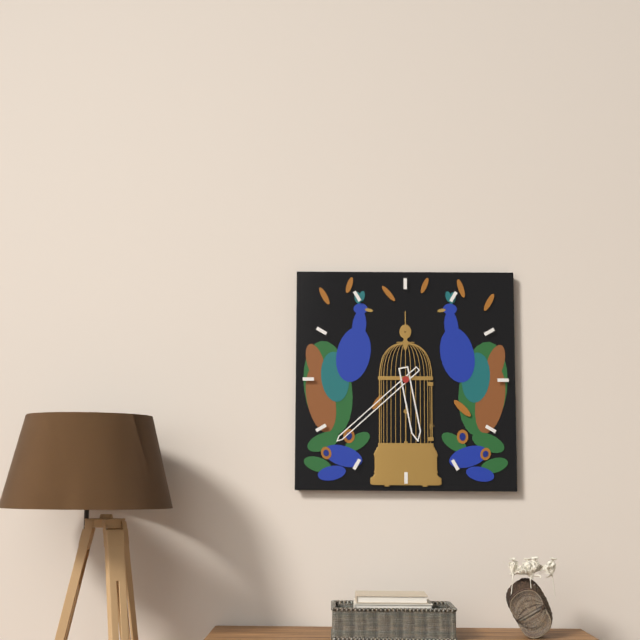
**5:38**
